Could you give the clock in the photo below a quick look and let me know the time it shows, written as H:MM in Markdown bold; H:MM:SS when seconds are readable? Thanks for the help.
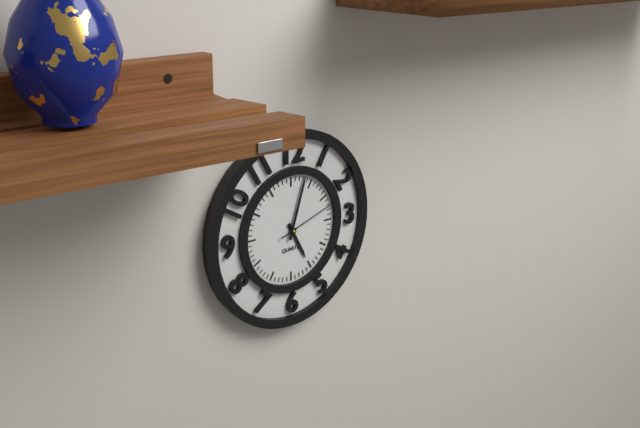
**5:03:12**
